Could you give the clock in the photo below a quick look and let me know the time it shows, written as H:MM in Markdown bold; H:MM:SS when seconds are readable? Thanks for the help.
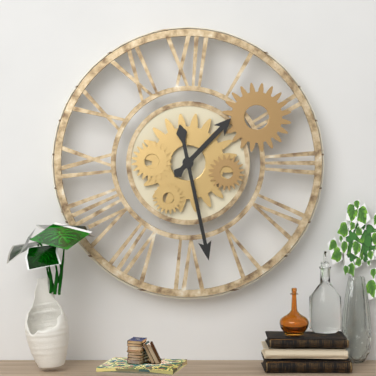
**1:28**
